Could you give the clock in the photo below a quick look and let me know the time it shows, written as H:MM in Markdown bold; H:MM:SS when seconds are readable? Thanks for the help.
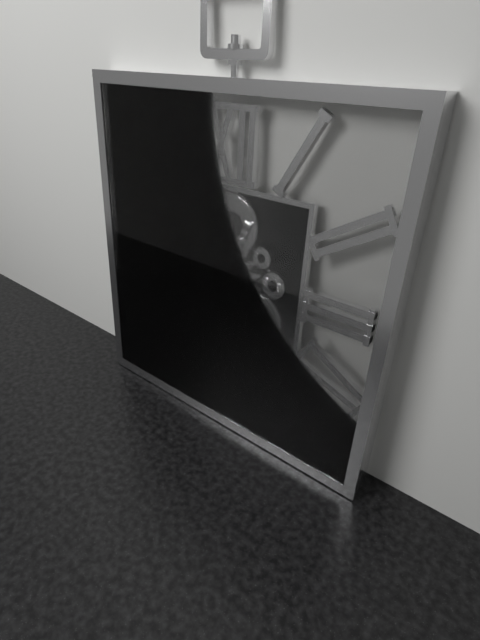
**5:41**
